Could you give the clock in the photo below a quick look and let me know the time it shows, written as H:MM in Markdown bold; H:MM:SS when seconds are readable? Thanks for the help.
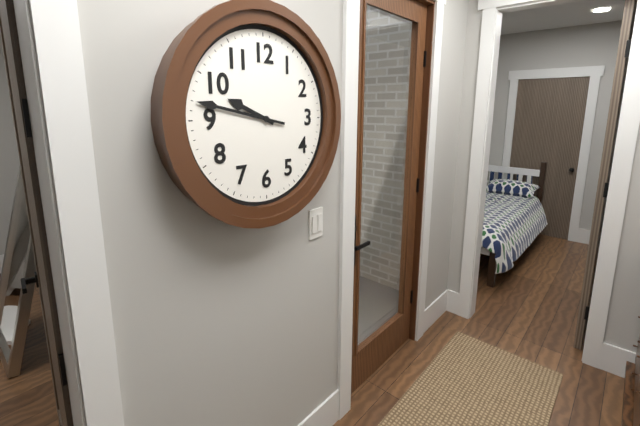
**9:47**
